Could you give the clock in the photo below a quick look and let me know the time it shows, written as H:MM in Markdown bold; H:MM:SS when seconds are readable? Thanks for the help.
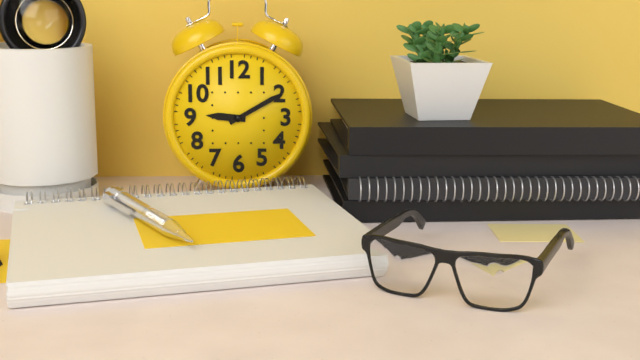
**9:10**
